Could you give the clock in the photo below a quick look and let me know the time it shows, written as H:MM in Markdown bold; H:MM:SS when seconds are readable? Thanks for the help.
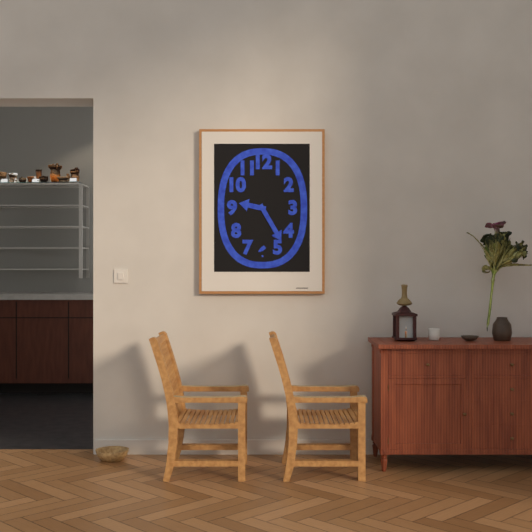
**9:25**
